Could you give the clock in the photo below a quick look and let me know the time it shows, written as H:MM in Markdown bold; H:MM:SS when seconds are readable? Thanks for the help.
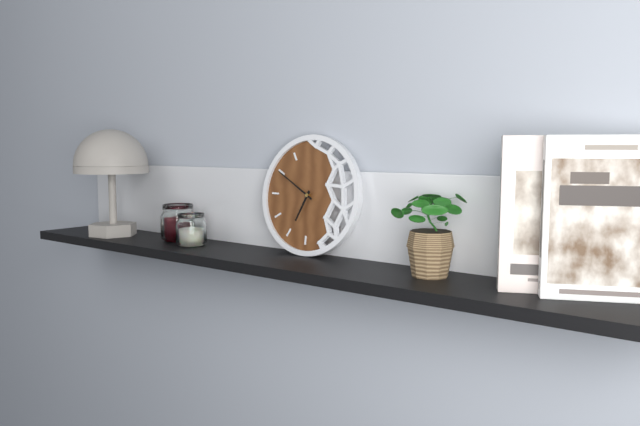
**6:50**
